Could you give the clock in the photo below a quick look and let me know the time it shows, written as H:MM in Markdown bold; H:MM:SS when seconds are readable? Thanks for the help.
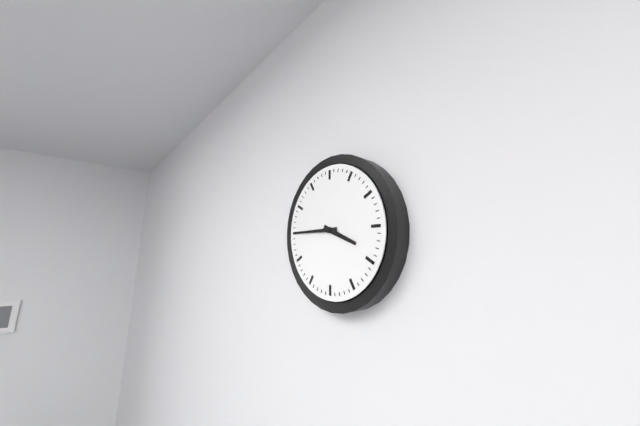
**3:45**
